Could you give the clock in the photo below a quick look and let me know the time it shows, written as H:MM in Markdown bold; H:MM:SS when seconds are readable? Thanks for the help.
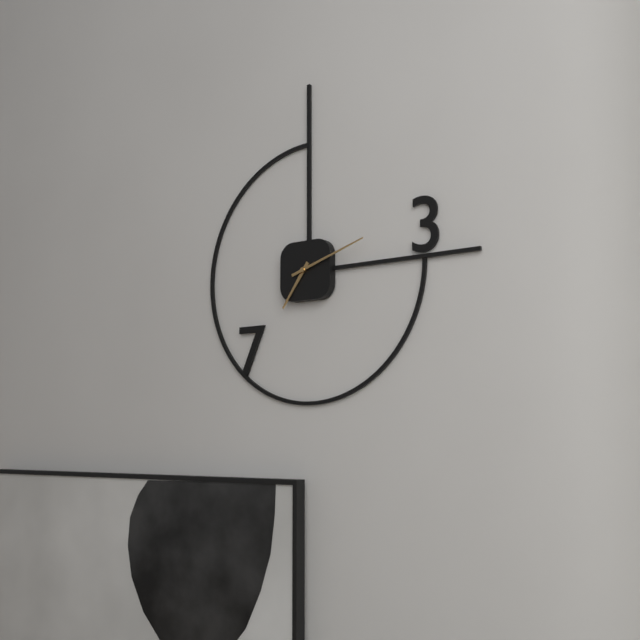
**7:12**
